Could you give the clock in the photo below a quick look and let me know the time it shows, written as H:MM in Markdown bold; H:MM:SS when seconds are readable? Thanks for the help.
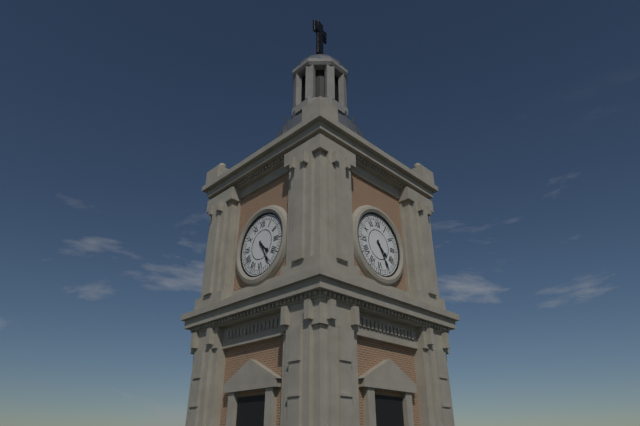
**4:25**
